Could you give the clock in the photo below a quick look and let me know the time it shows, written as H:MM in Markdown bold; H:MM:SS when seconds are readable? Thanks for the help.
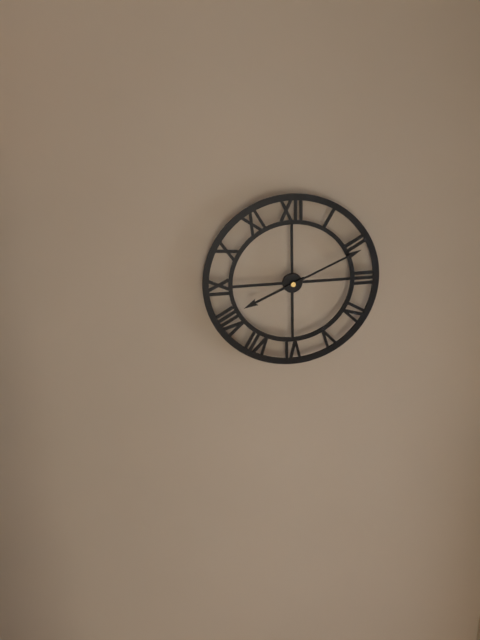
**8:11**
